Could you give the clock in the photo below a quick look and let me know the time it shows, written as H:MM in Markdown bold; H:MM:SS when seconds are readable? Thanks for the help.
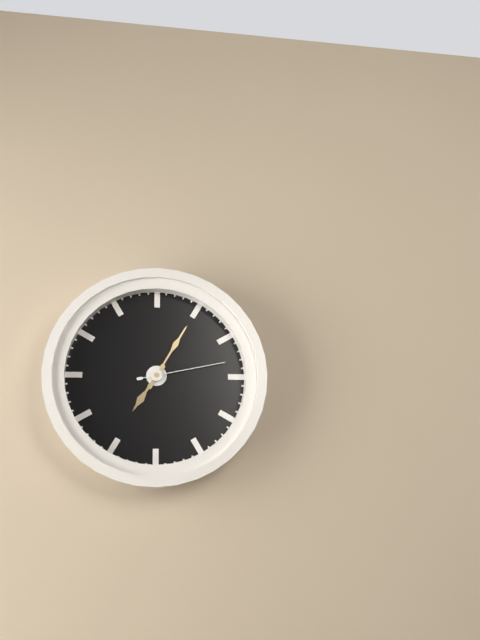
**7:05:13**
